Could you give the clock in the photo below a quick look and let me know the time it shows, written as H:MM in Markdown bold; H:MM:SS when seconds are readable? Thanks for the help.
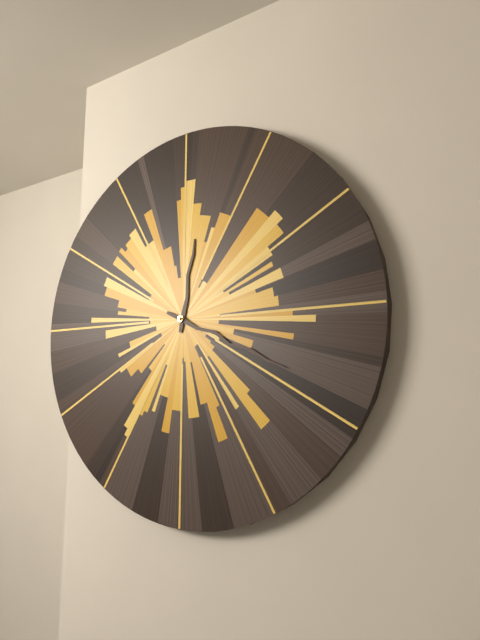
**12:19**
